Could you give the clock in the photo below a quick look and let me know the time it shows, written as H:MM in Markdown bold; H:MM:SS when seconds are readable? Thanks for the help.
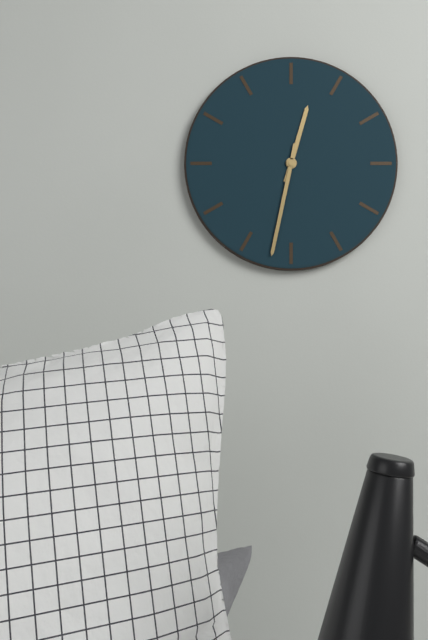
**12:32**
